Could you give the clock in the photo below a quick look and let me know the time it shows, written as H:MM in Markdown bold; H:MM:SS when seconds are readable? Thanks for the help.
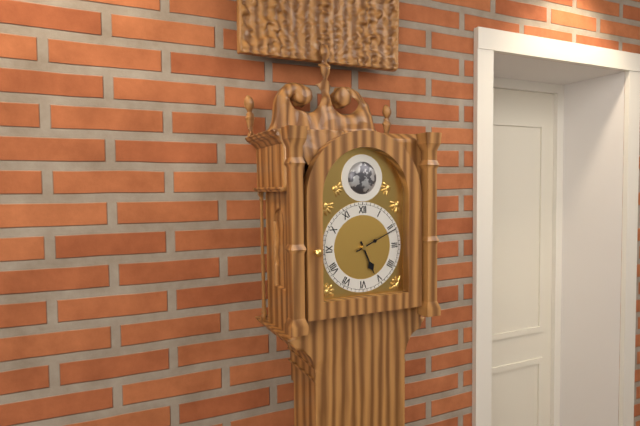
**5:11**
